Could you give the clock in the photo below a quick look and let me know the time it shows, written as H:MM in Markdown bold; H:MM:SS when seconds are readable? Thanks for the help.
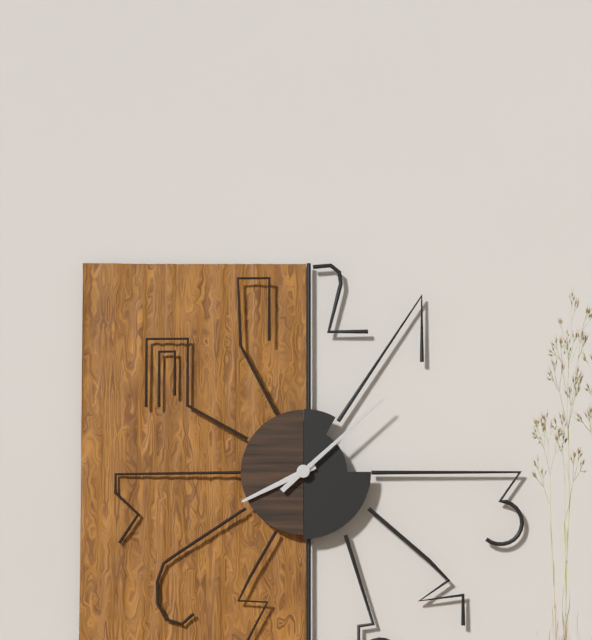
**8:08**
